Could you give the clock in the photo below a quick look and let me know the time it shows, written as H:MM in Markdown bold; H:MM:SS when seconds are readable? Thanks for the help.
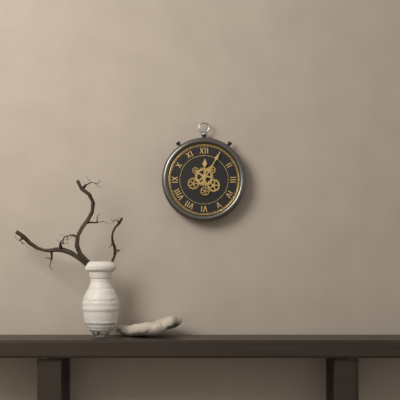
**12:05**
